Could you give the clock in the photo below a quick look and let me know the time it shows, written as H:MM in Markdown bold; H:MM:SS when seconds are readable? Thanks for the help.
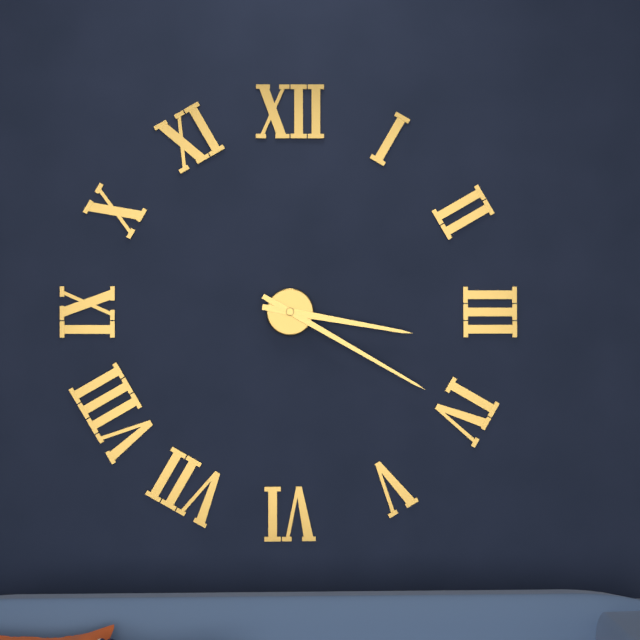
**3:20**
